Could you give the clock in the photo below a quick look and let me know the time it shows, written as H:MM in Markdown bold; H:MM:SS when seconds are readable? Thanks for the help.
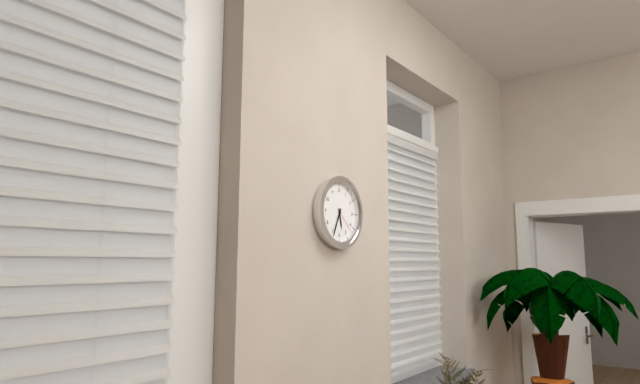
**5:34**
